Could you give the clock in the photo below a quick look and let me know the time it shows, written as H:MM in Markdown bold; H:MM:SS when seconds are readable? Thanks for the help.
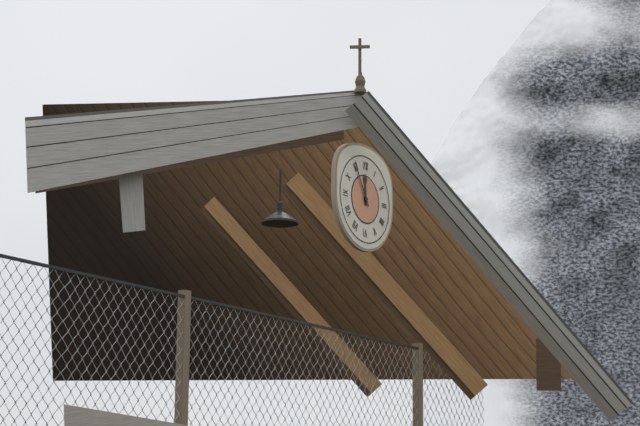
**11:55**
